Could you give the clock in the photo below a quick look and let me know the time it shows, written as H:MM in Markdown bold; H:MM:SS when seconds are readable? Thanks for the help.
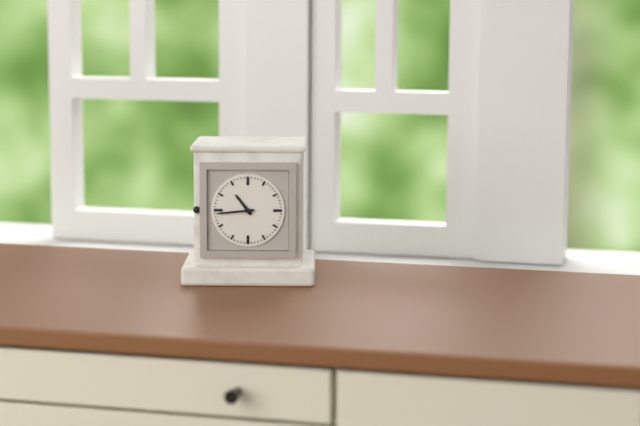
**10:44**
